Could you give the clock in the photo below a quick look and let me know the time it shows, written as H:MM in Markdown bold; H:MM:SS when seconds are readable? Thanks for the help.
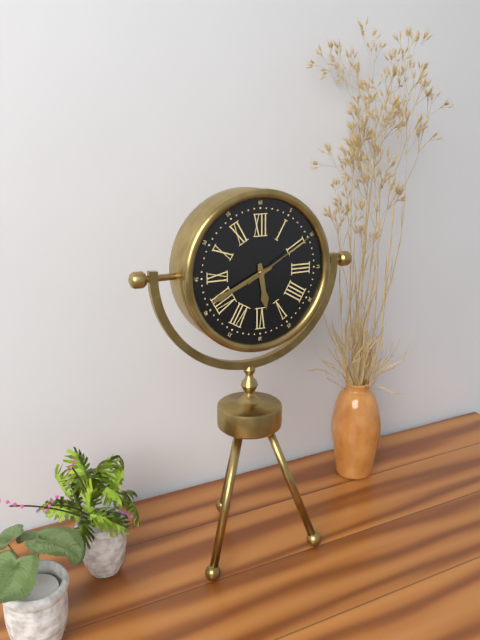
**5:41:10**
